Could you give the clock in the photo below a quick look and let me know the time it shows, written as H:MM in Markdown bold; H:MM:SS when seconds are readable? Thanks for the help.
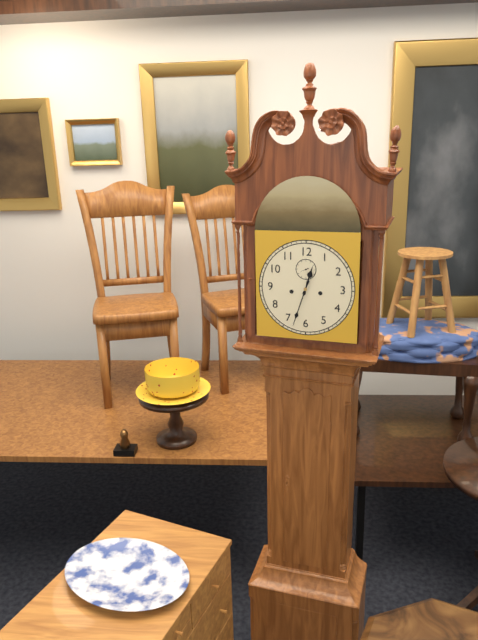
**12:33**
